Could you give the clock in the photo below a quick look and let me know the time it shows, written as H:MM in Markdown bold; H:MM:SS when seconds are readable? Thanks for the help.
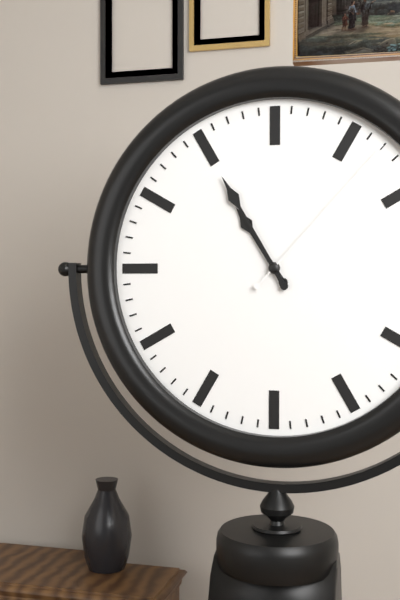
**10:55:07**
